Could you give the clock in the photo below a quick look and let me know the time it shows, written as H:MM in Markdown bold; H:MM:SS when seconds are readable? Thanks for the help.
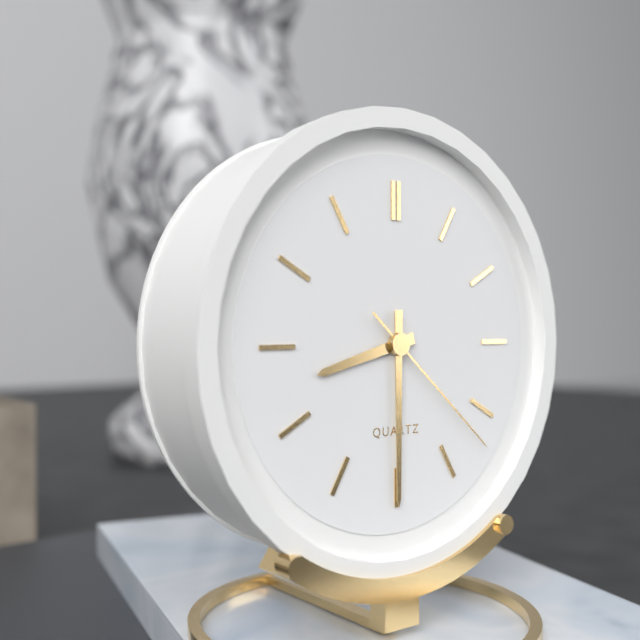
**8:30:22**
